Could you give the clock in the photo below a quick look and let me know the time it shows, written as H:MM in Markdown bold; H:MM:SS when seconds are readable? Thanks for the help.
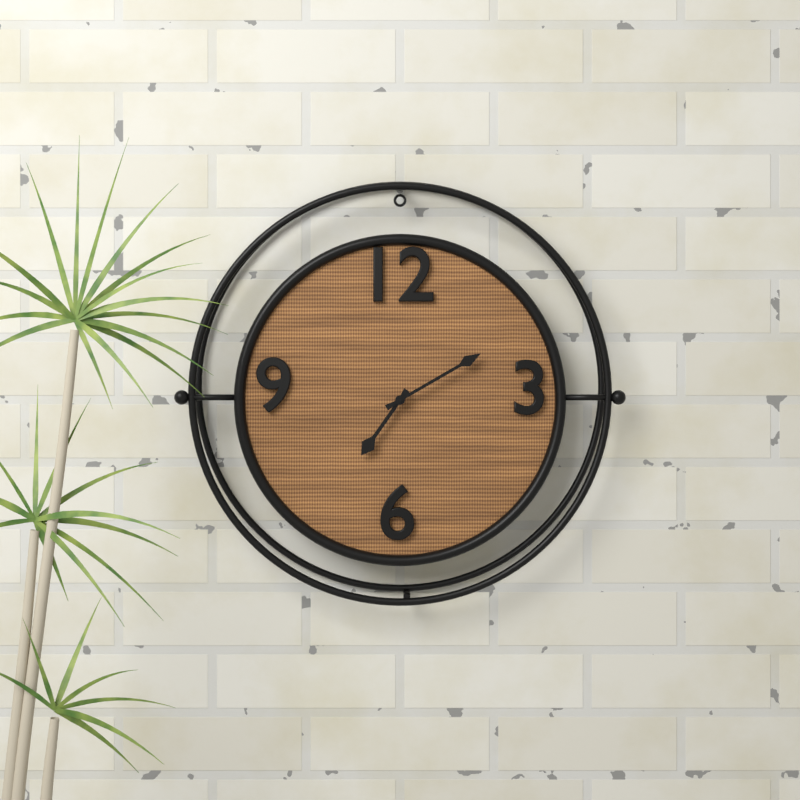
**7:10**
